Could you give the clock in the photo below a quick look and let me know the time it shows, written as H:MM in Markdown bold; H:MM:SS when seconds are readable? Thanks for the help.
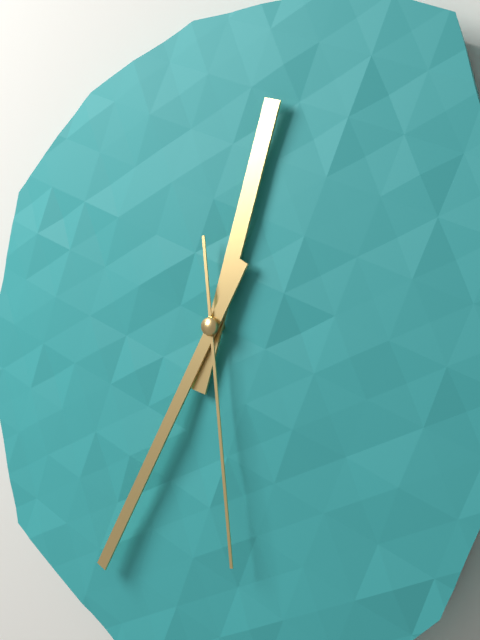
**12:35:29**
